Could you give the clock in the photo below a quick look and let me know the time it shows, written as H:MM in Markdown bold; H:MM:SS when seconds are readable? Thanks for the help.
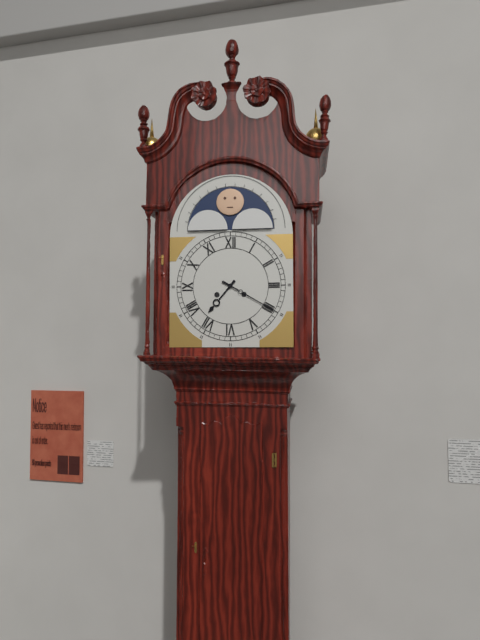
**7:20**
